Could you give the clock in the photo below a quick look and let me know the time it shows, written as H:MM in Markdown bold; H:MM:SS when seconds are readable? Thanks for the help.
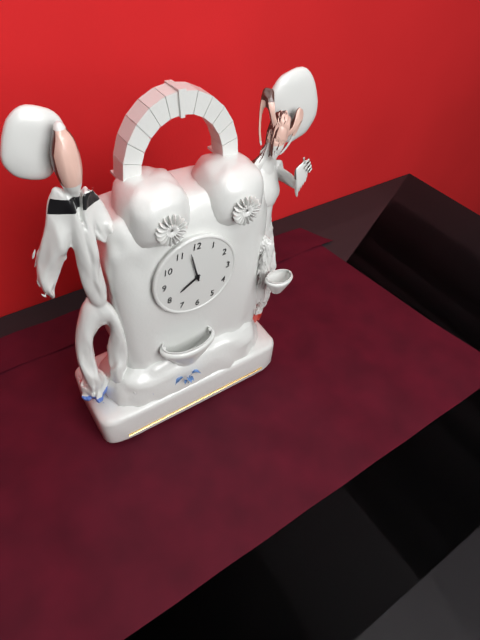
**7:58**
